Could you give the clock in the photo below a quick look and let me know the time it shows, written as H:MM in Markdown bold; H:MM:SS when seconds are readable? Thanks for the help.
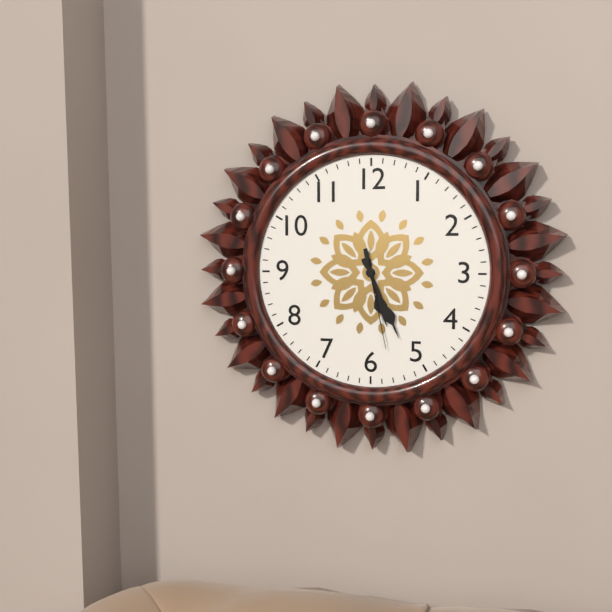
**5:26:28**
